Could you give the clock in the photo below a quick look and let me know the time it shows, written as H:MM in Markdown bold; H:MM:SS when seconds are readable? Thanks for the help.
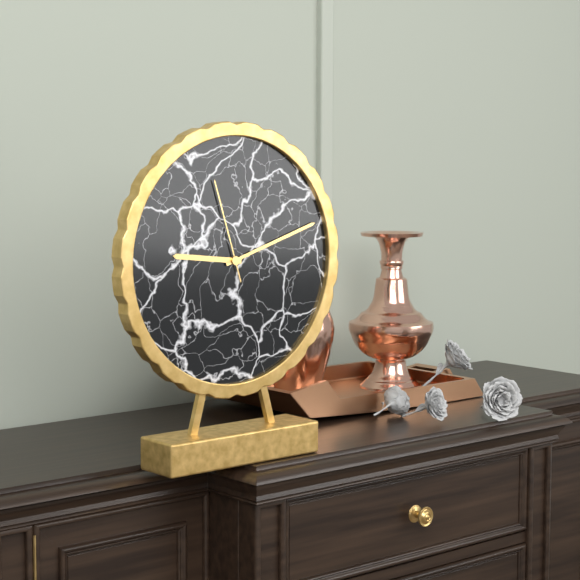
**9:12:57**
